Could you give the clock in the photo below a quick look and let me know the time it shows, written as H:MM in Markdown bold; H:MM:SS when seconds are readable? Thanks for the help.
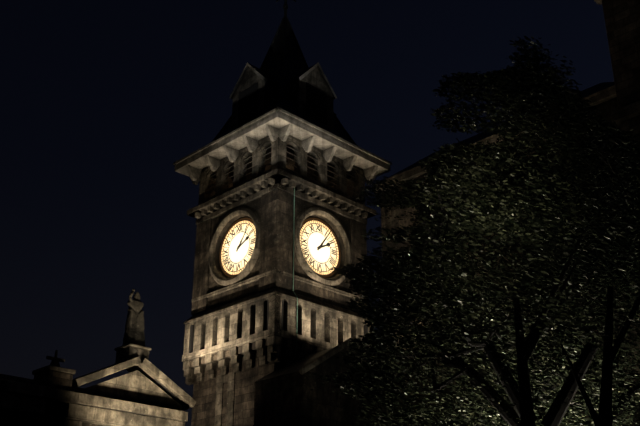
**2:06**
